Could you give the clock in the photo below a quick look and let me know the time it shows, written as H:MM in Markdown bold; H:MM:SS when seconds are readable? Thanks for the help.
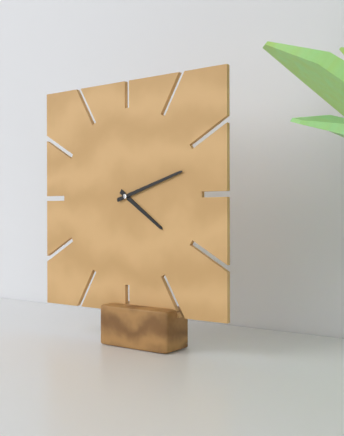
**4:12**
